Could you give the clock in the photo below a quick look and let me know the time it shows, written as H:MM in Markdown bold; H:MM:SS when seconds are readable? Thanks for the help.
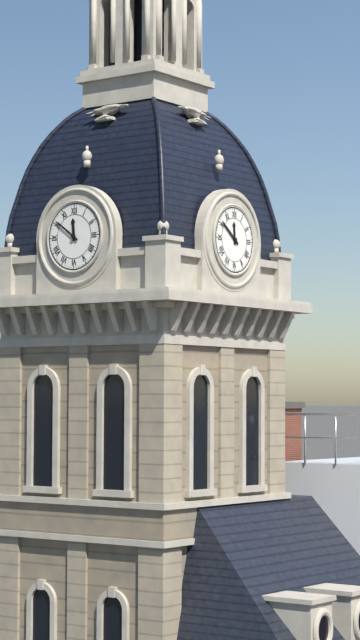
**11:51**
